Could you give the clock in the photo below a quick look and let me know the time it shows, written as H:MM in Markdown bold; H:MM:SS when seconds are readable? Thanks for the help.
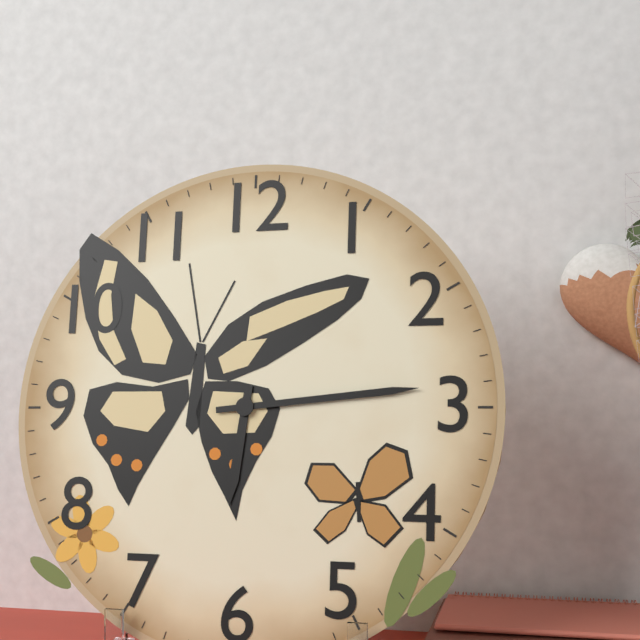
**6:14**
